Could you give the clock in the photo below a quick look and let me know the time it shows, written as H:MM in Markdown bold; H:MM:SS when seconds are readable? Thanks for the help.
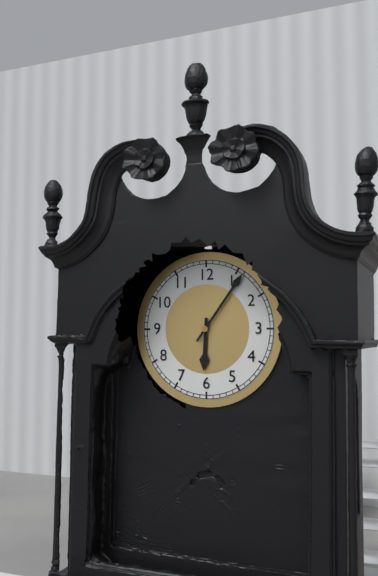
**6:06**
